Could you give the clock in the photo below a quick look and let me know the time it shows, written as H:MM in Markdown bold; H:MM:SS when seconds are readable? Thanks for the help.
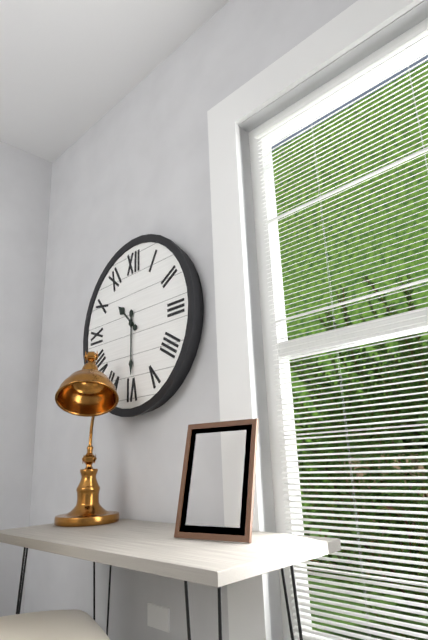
**10:30**
